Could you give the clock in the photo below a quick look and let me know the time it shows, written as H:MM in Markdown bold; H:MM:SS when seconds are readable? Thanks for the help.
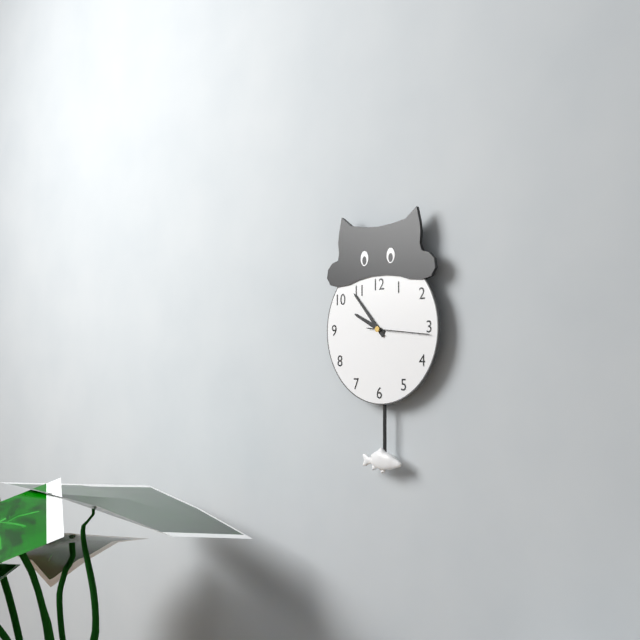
**9:53:16**
